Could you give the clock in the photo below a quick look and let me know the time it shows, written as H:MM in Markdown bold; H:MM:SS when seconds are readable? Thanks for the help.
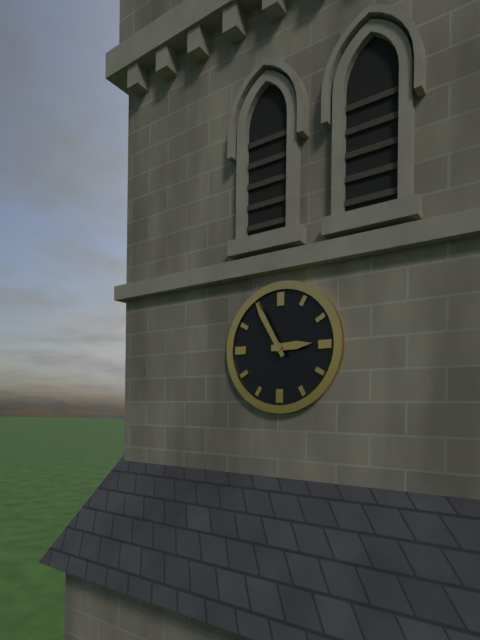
**2:55**
